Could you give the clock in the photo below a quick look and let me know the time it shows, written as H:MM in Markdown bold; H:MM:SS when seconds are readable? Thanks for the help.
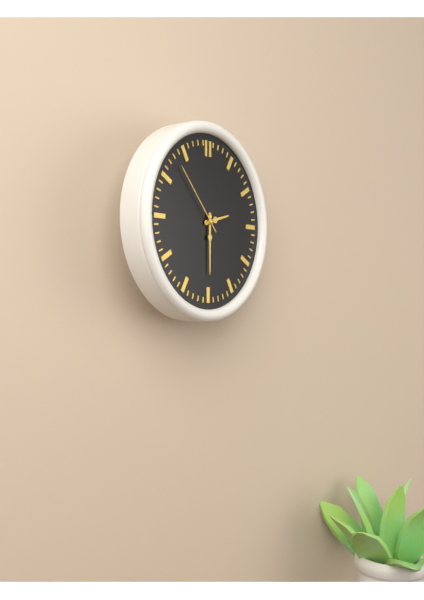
**2:30:53**
